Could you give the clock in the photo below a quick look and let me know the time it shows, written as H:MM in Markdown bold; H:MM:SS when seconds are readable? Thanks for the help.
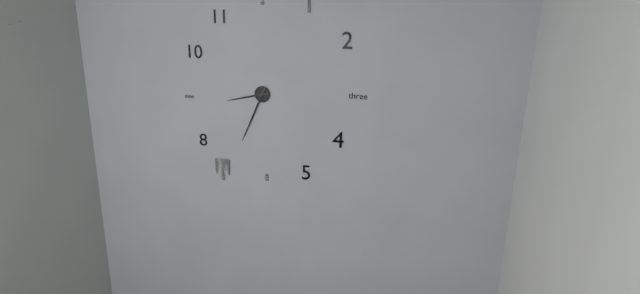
**8:34**
